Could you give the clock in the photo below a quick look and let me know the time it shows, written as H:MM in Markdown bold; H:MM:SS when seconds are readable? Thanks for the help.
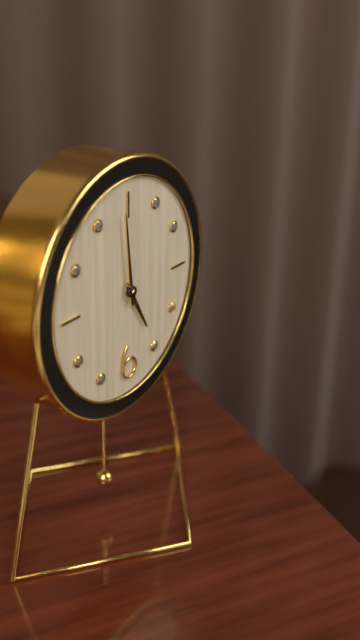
**4:59**
